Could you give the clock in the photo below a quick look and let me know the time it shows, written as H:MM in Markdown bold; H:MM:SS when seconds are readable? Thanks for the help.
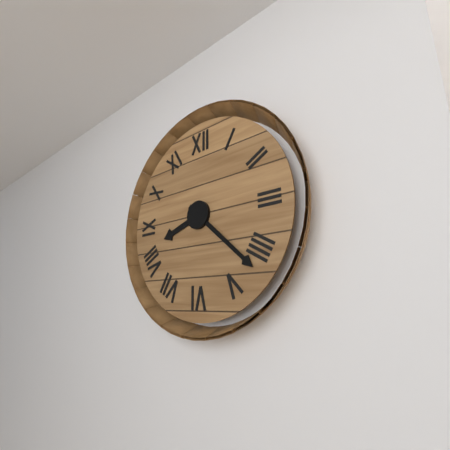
**8:22**
